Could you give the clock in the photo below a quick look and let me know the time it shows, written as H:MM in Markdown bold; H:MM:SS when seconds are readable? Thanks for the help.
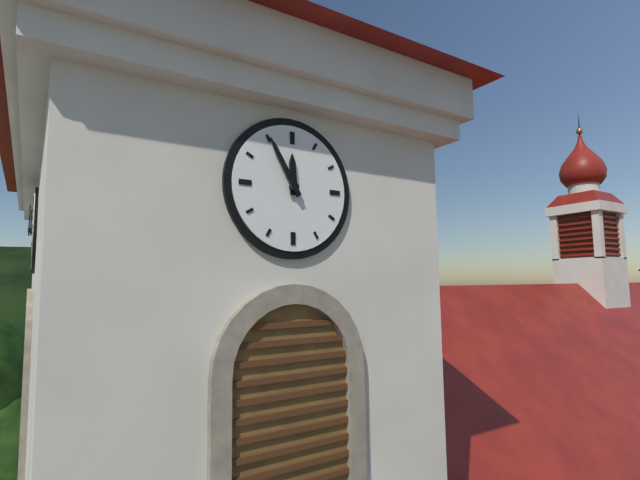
**11:55**
